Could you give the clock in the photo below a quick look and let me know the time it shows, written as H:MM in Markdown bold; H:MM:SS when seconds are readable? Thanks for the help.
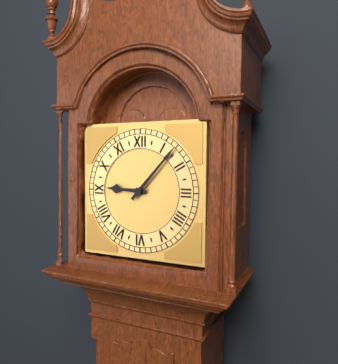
**9:07**
